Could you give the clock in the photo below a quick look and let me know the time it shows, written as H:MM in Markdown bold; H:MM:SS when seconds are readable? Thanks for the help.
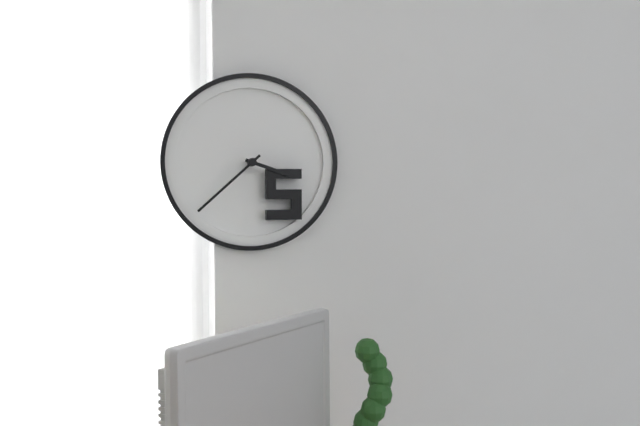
**3:38**
